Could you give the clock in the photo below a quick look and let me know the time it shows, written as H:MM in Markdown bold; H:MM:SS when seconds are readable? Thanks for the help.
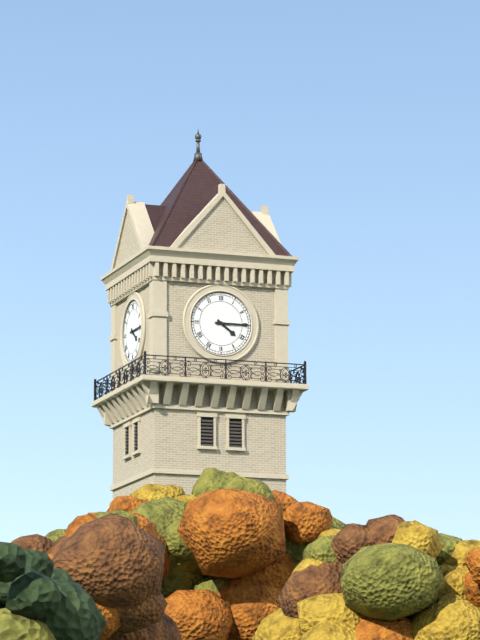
**4:15**
